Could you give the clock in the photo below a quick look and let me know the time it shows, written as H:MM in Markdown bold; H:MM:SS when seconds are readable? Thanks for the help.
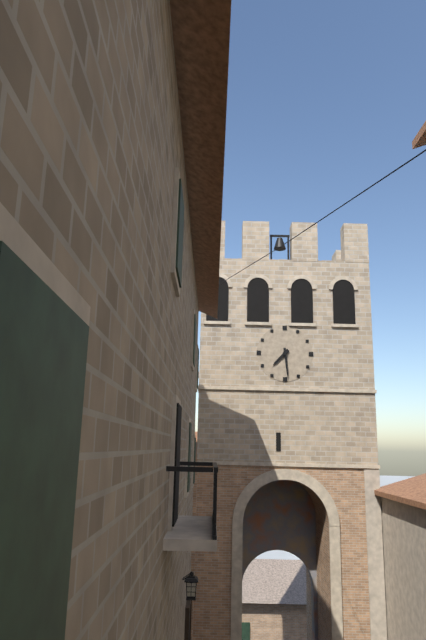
**7:29**
